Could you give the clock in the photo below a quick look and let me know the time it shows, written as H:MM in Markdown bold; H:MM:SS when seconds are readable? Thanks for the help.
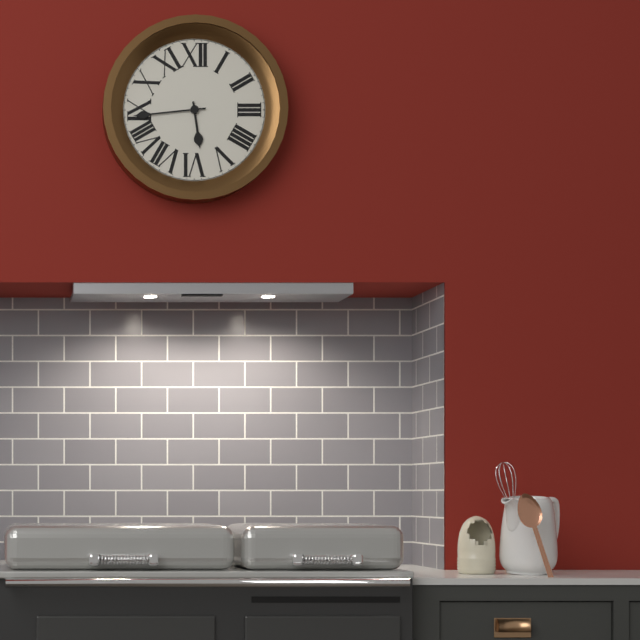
**5:44**
